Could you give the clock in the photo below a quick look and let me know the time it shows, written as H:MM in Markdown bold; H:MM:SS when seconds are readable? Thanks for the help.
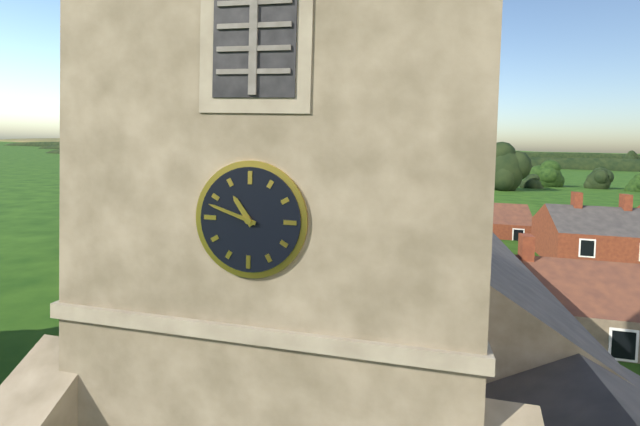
**10:48**
